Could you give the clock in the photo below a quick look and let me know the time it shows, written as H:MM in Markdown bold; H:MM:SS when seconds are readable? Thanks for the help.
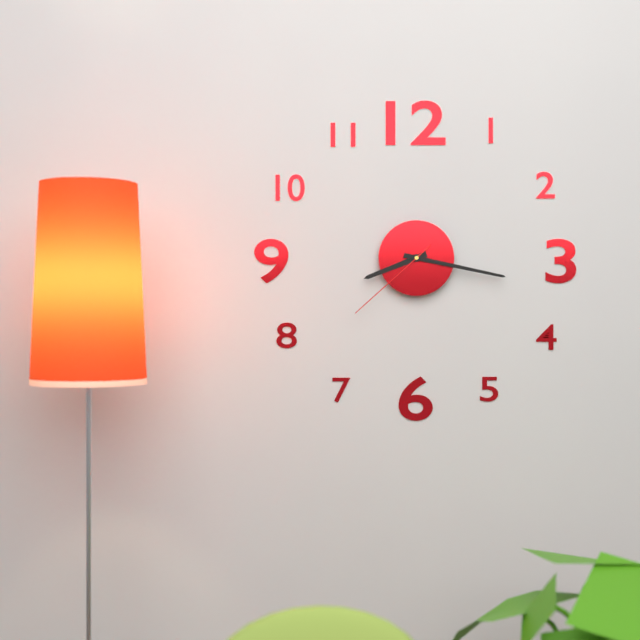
**8:17:38**
